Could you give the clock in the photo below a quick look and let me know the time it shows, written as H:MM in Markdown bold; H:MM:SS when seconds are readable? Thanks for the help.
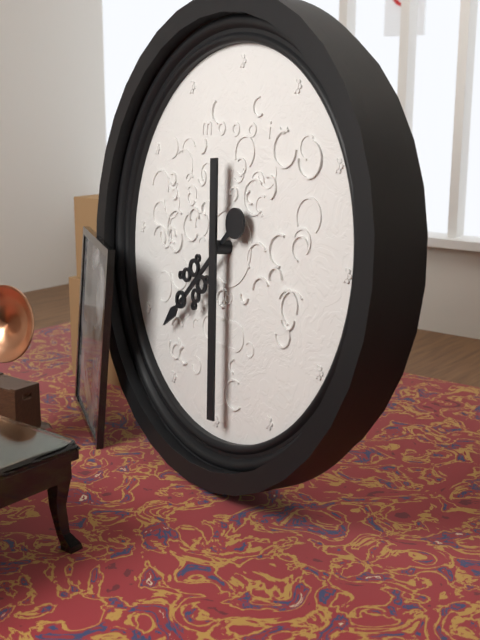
**7:29**
